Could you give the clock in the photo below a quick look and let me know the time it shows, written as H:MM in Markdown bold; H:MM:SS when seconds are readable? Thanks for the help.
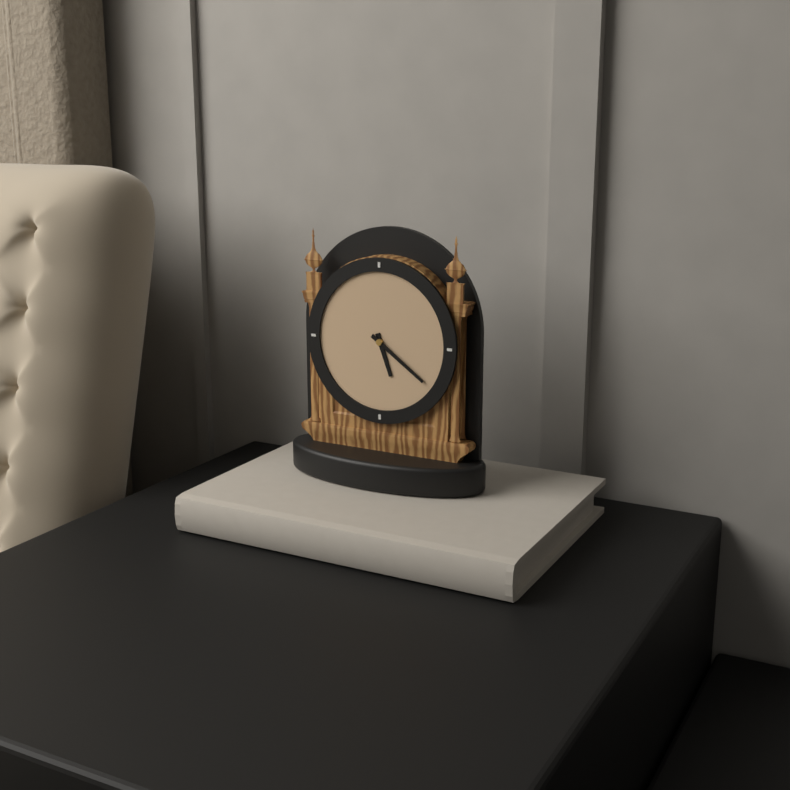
**5:21**
